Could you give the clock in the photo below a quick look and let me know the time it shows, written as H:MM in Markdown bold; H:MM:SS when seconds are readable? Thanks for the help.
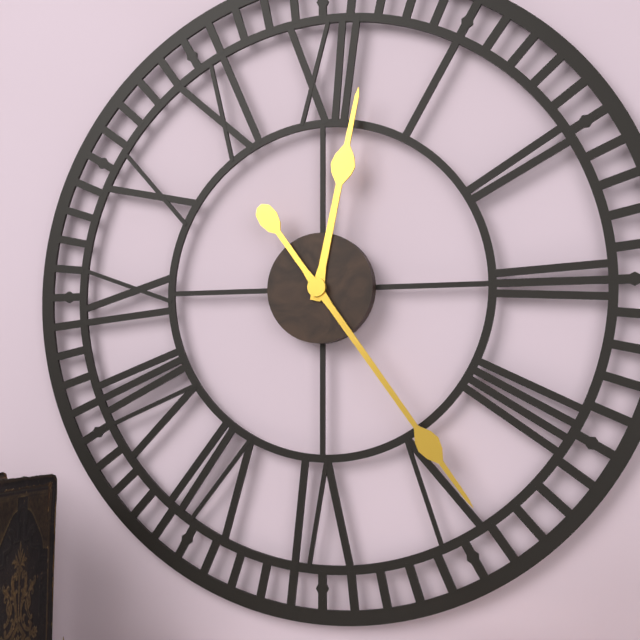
**12:24**
